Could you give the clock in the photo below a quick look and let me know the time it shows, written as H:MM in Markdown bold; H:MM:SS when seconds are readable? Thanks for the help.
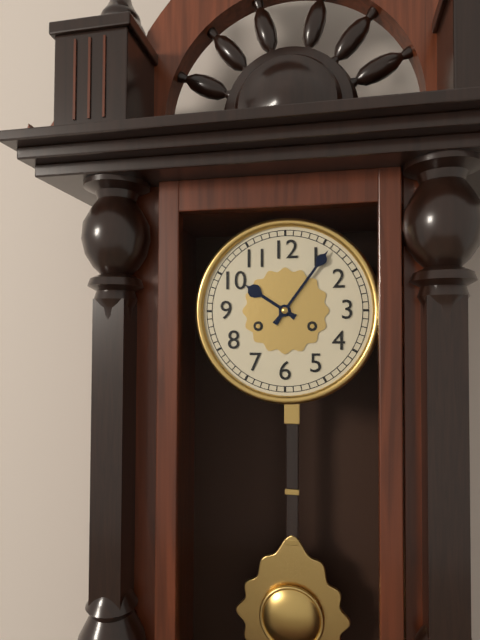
**10:06**
